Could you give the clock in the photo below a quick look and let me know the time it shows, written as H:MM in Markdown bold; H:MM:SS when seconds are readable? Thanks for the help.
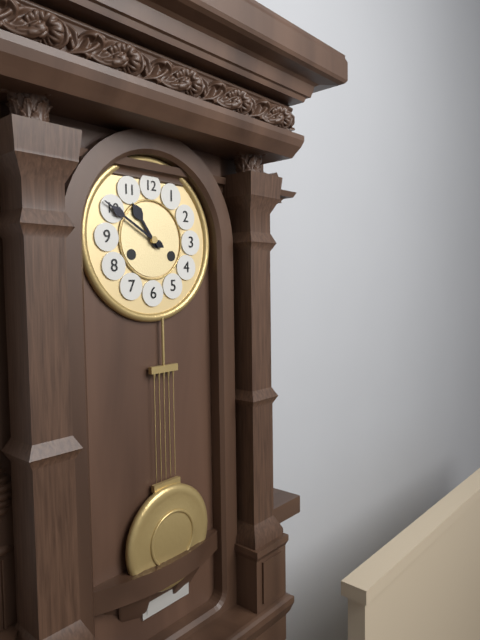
**10:50**
